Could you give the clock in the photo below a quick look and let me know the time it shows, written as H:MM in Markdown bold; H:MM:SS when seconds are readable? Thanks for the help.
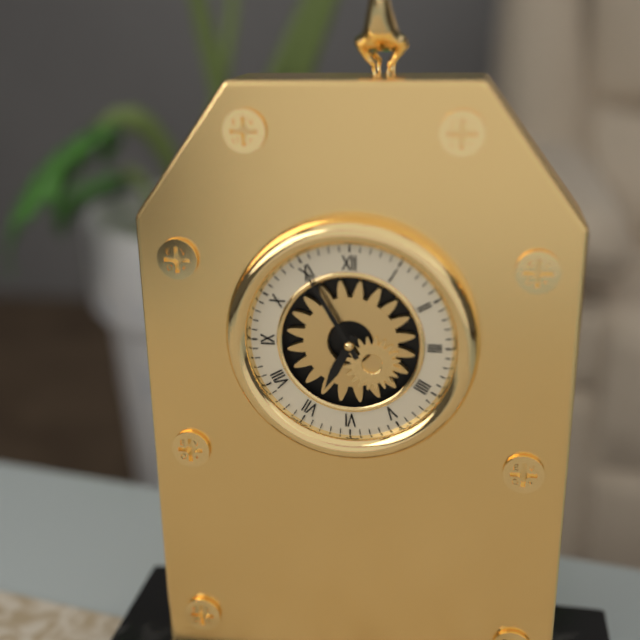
**6:55**
